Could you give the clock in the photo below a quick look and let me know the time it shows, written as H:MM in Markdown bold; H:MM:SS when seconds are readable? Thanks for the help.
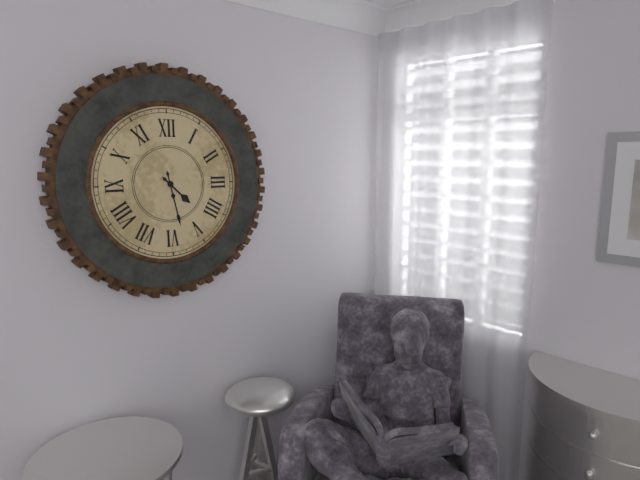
**4:28**
